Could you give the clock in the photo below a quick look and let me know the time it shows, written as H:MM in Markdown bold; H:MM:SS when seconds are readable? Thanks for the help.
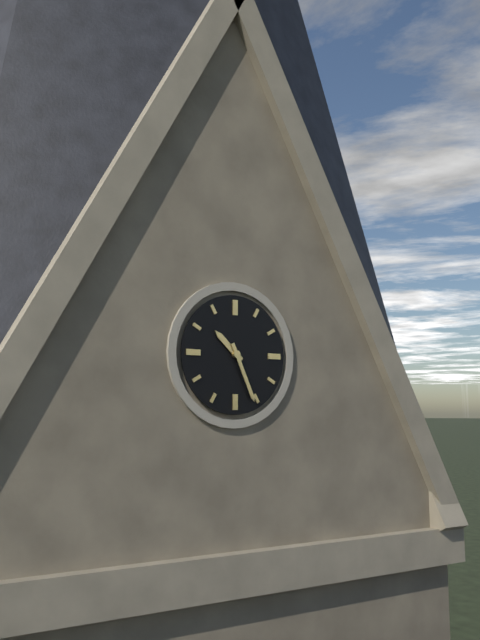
**10:26**
